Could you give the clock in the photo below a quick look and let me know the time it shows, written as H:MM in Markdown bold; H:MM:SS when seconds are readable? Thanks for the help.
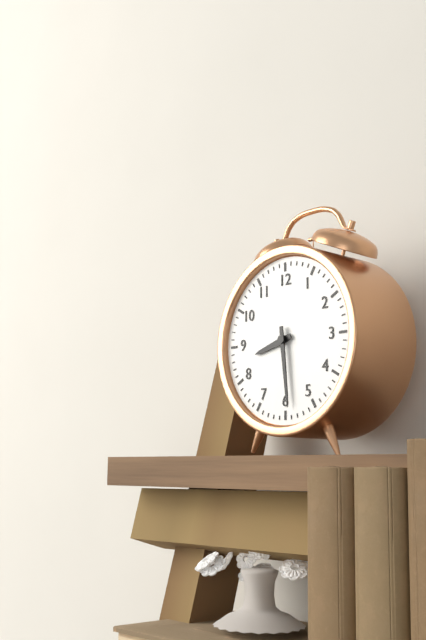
**8:29**
